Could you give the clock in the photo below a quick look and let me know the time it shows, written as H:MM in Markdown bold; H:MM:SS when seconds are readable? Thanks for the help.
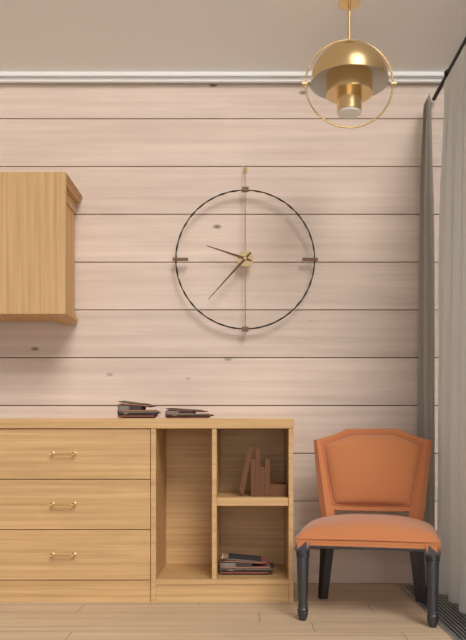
**9:37**
